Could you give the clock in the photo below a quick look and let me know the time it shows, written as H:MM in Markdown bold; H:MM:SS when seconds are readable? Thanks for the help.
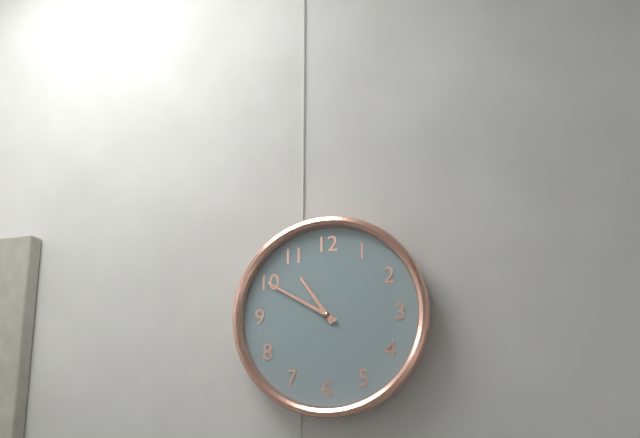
**10:50**
